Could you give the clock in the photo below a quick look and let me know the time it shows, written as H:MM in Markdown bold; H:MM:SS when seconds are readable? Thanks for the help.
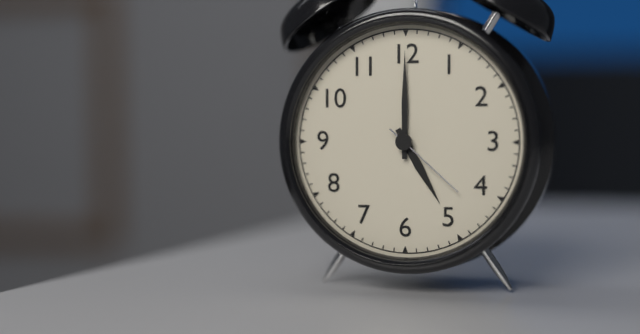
**5:00:22**
